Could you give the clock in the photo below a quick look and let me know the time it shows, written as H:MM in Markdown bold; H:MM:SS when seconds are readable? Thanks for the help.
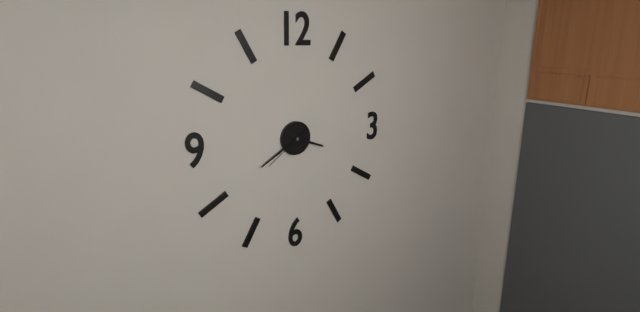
**3:40**
